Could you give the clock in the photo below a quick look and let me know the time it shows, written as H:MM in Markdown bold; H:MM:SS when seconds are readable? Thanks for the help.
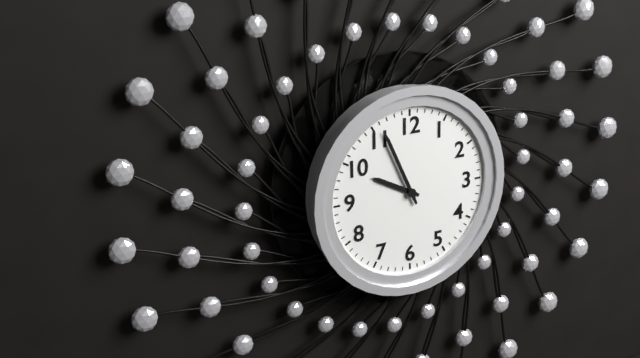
**9:56**
